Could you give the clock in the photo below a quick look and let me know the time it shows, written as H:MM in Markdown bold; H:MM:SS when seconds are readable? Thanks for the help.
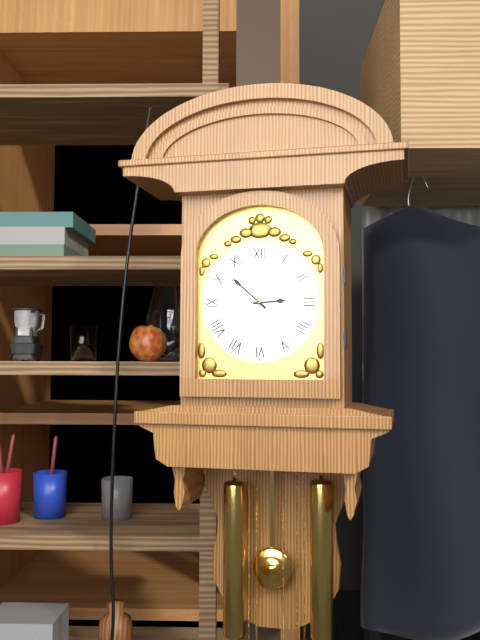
**2:52**
